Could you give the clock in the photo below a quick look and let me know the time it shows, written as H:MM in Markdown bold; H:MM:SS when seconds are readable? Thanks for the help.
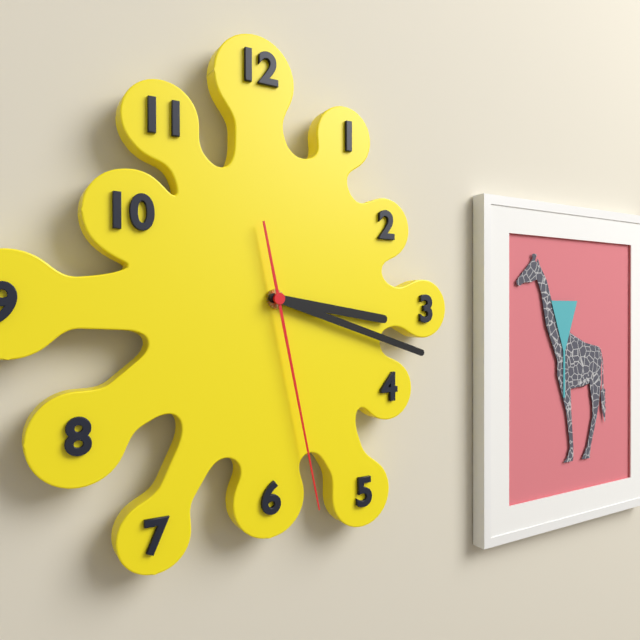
**3:18:28**
